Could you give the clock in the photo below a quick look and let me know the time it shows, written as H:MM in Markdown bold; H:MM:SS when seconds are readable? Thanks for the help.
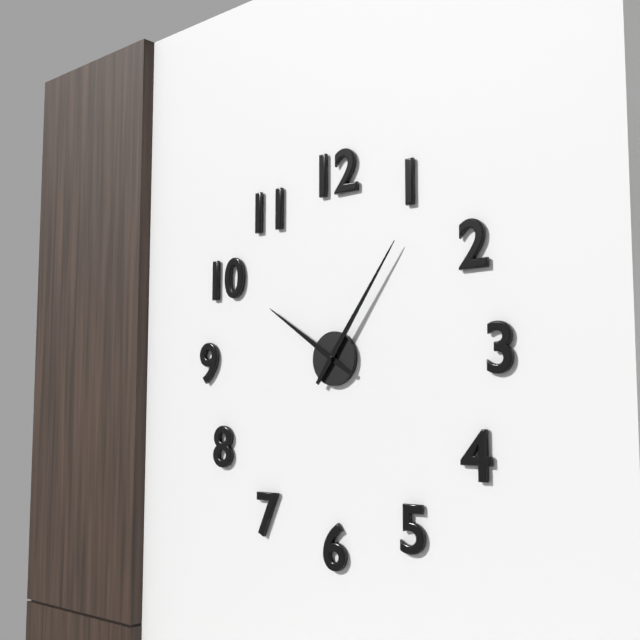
**10:06**
